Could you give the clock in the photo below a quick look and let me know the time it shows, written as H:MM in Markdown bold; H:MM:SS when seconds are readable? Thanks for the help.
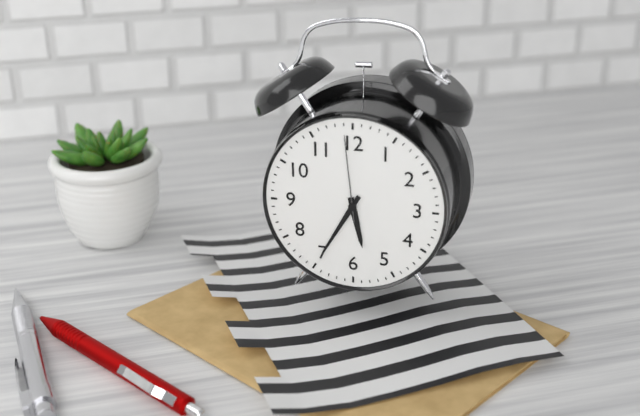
**5:35:59**
